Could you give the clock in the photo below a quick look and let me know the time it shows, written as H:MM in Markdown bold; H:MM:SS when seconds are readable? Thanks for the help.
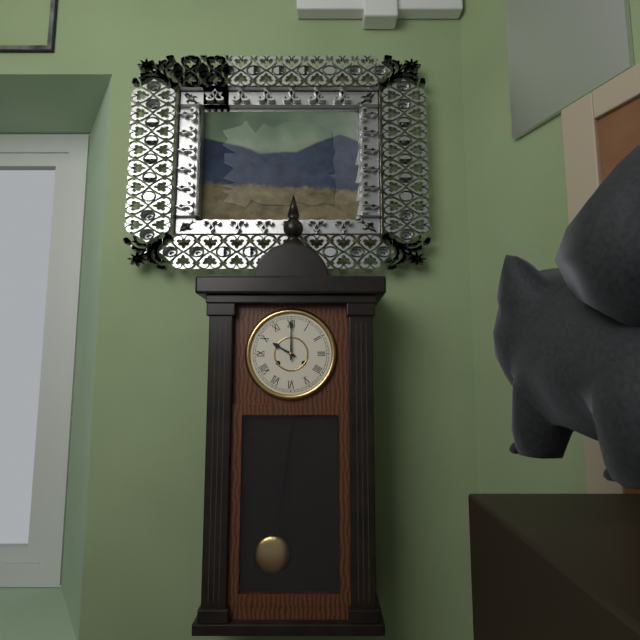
**10:00**
